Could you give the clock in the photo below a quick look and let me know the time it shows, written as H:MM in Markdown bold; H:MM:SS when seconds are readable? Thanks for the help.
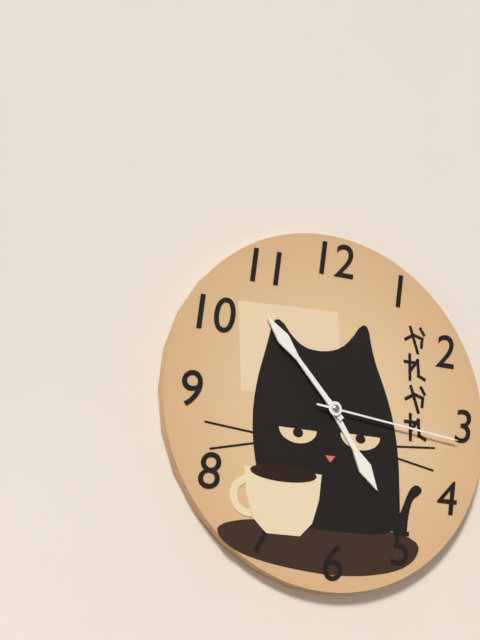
**4:53:16**
